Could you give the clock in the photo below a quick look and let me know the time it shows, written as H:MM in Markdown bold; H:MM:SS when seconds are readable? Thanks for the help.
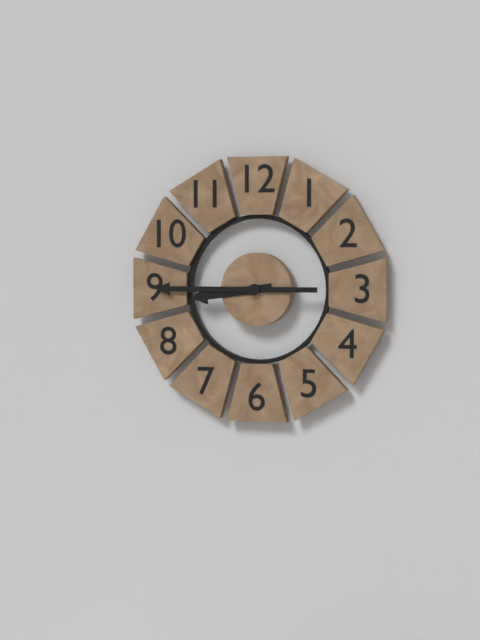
**8:45**
